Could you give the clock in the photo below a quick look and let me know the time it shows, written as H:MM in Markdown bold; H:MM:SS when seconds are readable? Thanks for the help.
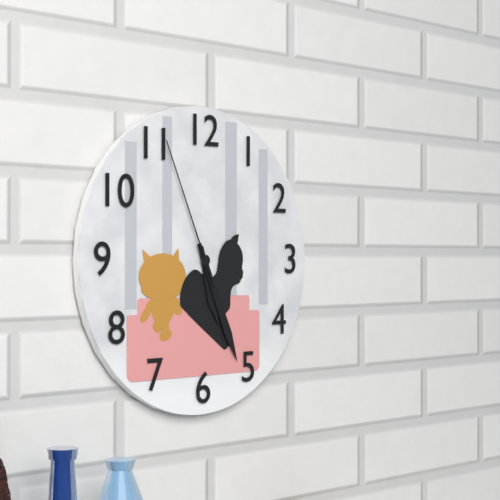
**5:26:56**
